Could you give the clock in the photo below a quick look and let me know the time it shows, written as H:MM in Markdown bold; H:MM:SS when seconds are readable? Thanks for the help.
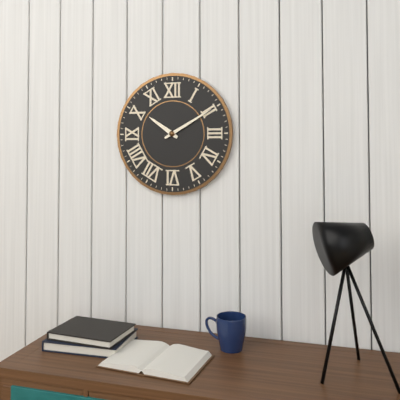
**10:10**
